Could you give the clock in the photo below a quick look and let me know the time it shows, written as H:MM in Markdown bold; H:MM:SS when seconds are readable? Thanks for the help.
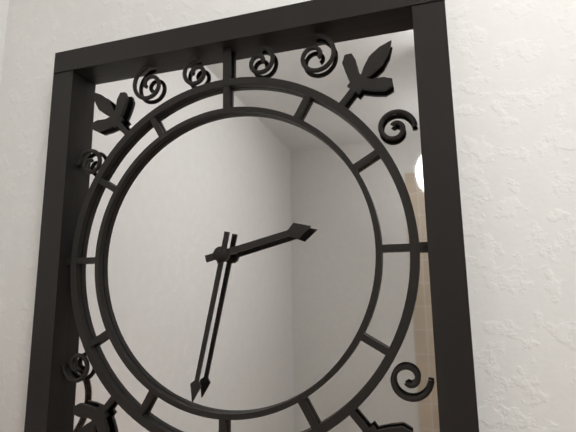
**2:32**
